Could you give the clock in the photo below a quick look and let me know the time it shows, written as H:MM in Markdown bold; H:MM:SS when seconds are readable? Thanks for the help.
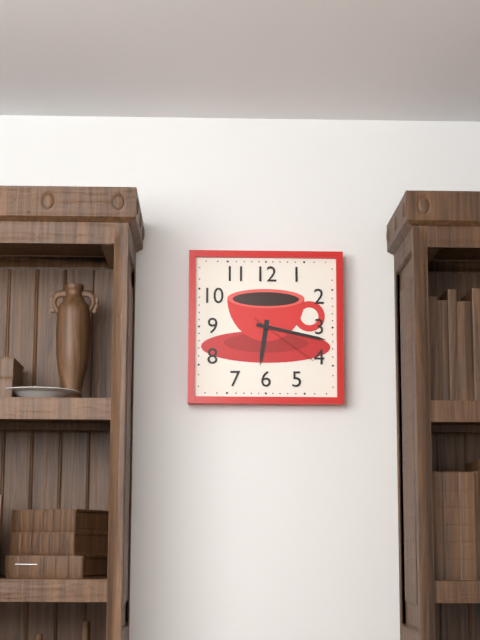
**6:17:21**
